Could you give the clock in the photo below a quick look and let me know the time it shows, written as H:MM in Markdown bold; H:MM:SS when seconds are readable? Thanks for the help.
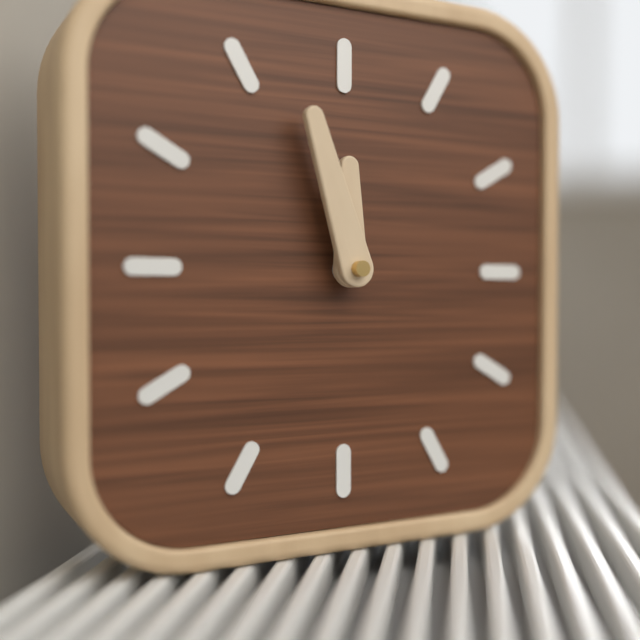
**11:57**
